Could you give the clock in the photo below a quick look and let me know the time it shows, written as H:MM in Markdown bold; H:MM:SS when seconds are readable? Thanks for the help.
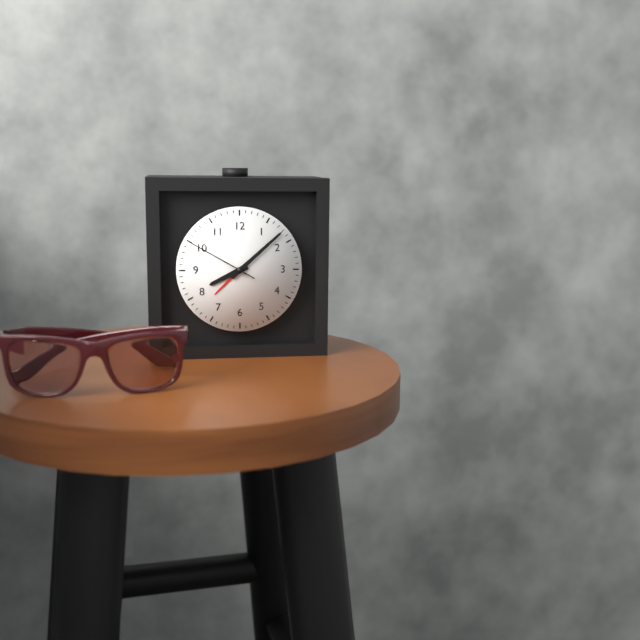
**8:08:50**
